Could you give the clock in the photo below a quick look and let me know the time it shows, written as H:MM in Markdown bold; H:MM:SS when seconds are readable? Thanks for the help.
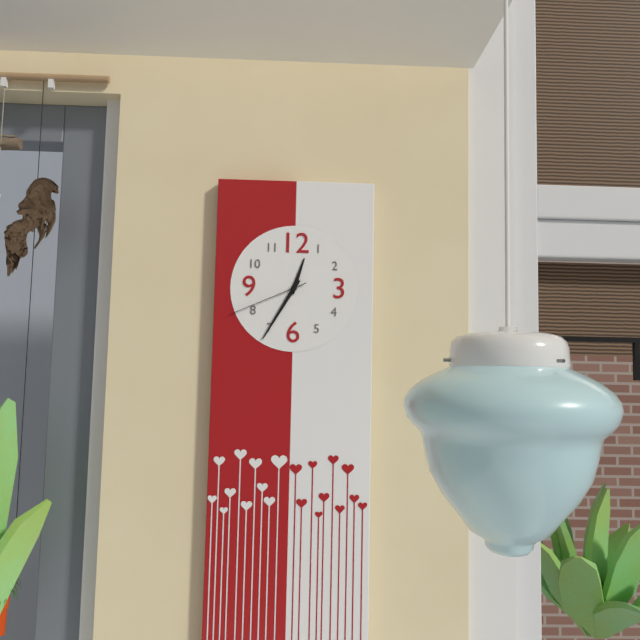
**12:35:41**
